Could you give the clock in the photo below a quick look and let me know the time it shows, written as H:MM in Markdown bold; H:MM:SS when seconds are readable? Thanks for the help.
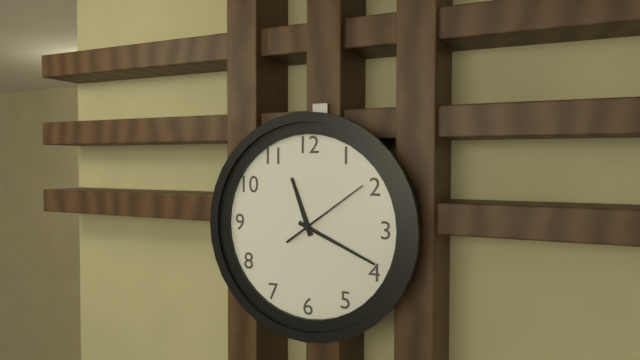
**11:19:09**
